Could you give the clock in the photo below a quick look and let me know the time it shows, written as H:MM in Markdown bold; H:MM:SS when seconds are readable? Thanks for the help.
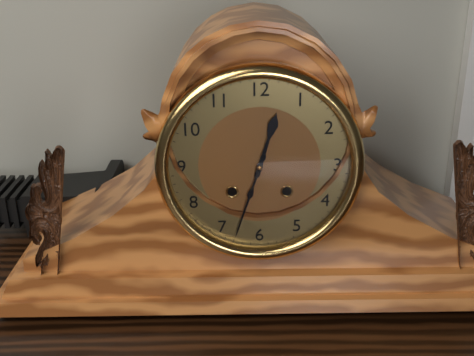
**12:33**
